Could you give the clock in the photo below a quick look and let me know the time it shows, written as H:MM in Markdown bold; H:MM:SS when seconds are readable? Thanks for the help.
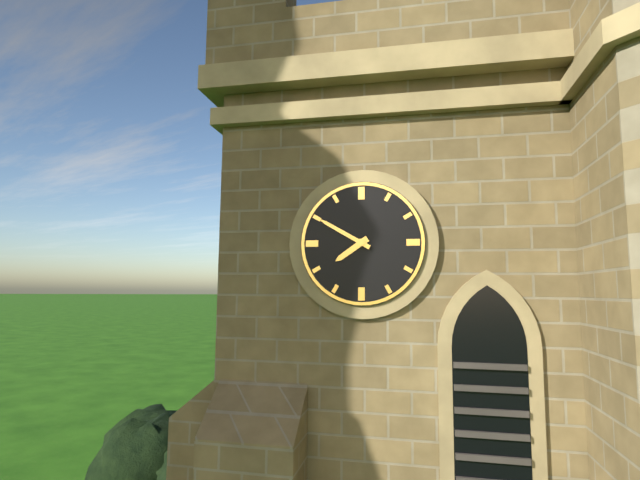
**7:50**
